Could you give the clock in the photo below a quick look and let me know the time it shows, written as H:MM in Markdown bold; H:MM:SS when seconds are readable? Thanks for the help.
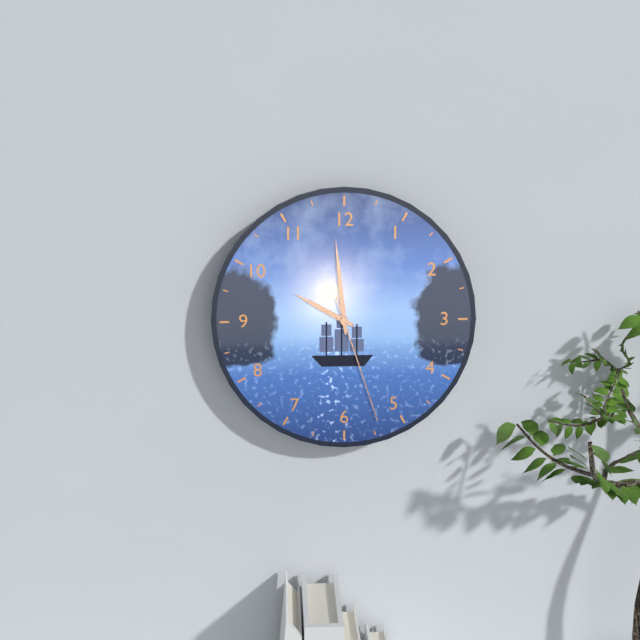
**9:59:27**
